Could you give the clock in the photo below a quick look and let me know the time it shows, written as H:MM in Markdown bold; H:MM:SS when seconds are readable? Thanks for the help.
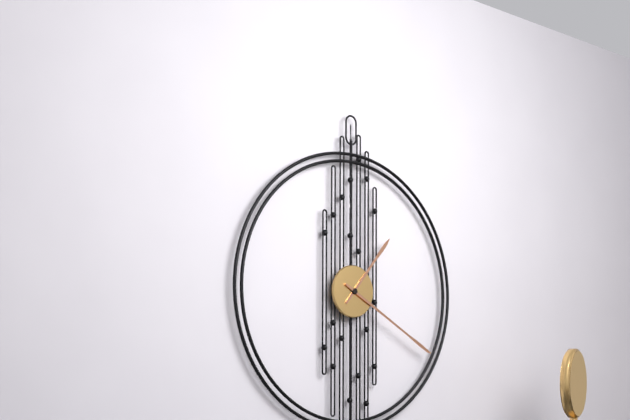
**1:20**
